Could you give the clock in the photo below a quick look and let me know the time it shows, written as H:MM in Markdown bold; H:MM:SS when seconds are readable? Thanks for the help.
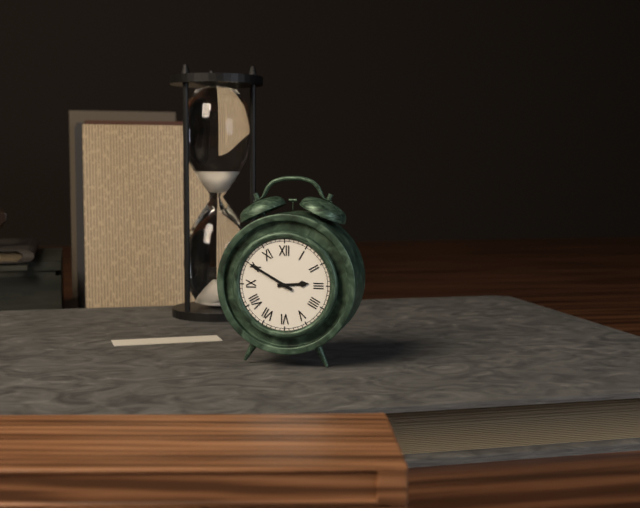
**2:50**
